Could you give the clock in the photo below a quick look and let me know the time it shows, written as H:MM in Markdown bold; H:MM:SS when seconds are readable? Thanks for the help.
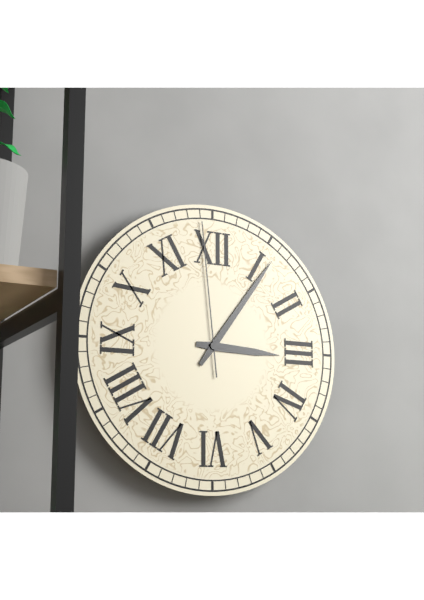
**3:06:59**
